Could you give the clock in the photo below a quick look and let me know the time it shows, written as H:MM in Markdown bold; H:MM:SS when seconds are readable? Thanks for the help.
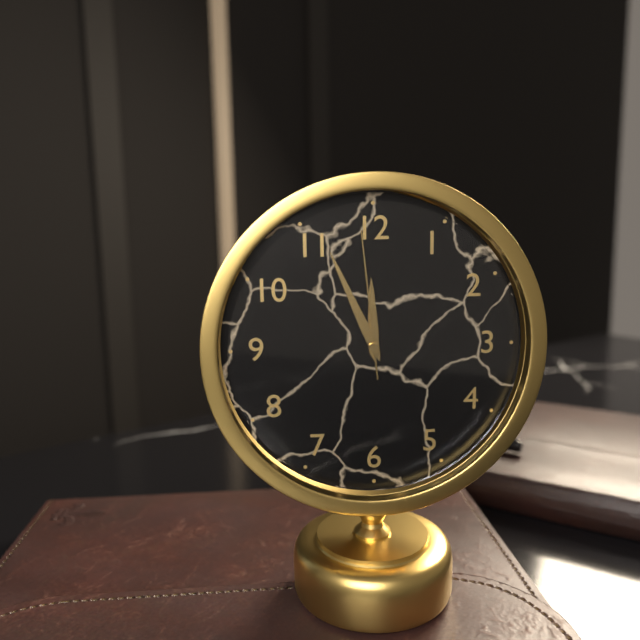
**11:56:59**
